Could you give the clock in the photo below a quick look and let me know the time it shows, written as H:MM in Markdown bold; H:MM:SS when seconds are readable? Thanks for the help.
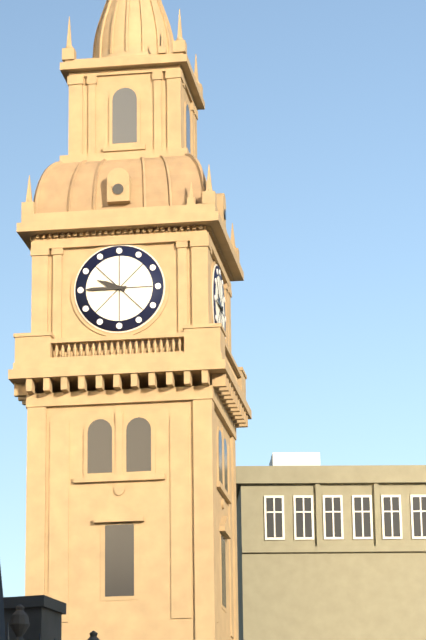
**9:45**
